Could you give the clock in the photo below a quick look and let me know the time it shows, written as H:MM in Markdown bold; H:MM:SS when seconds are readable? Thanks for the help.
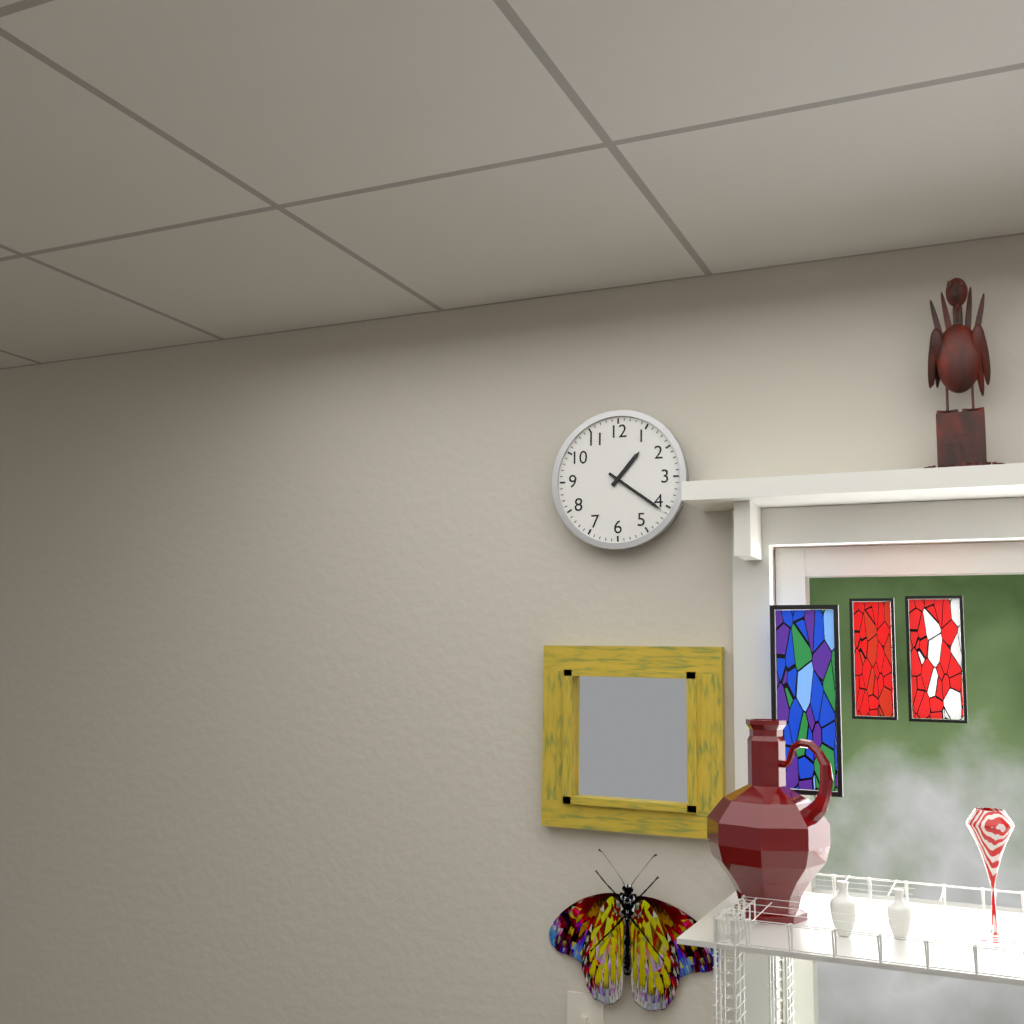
**1:21**
